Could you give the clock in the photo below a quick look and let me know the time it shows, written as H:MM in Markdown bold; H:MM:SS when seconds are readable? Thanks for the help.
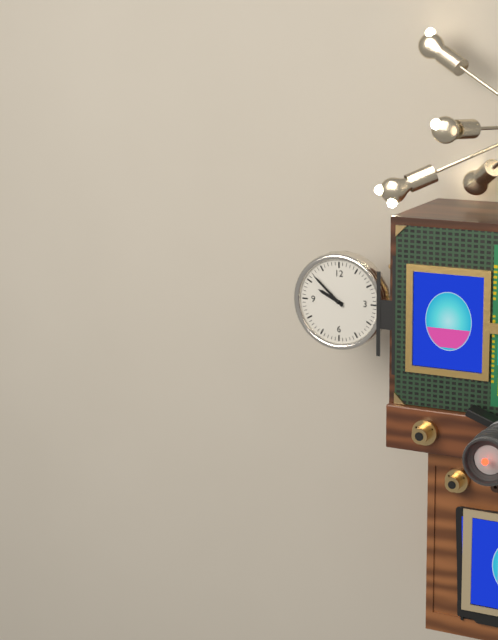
**9:52**
